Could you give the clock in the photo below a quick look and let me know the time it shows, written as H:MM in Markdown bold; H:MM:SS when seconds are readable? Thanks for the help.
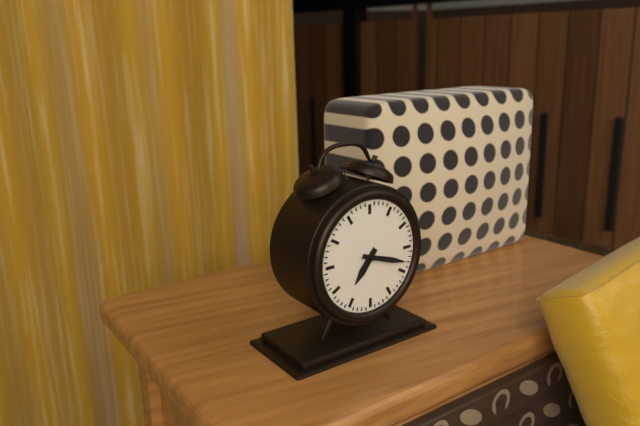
**7:18**
